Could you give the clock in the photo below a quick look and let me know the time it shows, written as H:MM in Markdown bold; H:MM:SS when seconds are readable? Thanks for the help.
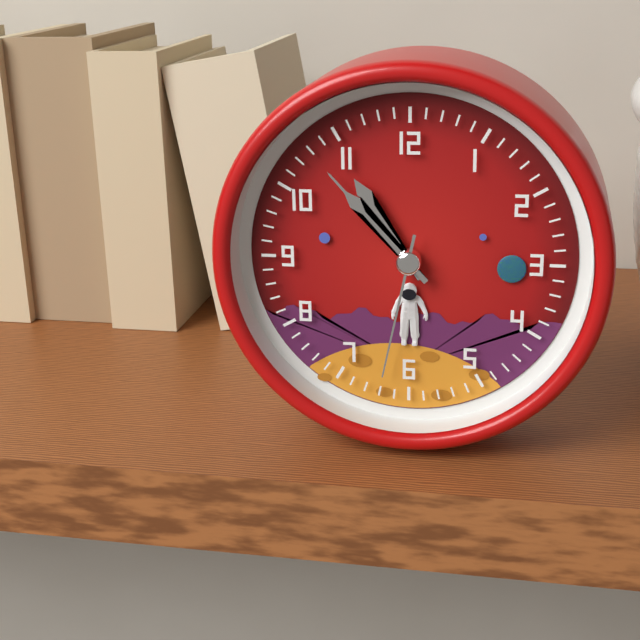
**10:53:32**
